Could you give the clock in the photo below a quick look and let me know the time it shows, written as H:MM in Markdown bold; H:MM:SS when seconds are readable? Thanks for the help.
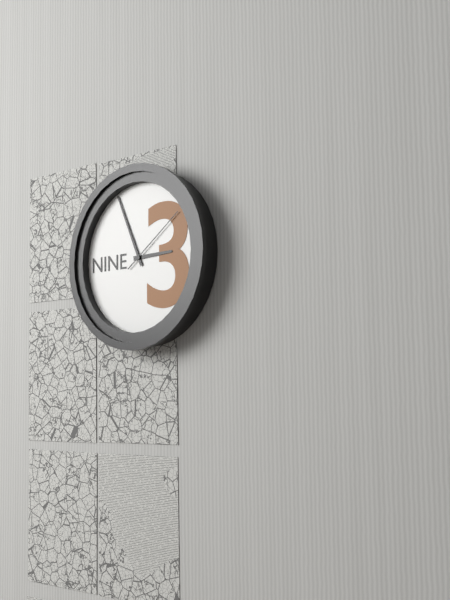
**2:56:09**
